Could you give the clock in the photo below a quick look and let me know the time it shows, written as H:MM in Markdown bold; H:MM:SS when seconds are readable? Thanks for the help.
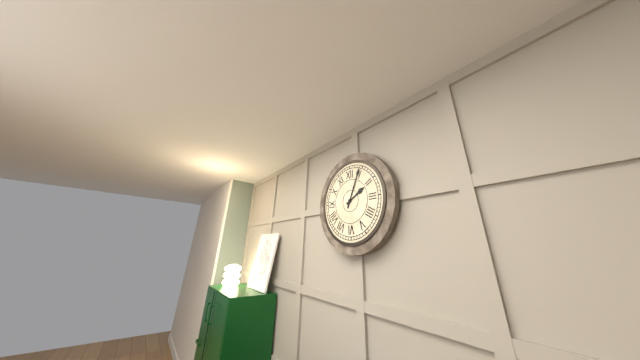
**2:04**
